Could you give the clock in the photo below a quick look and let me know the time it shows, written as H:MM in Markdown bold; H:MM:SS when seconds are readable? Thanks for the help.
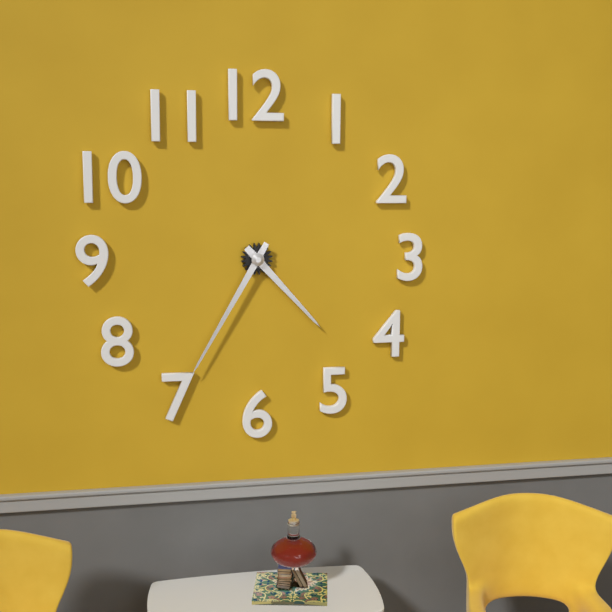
**4:35**
